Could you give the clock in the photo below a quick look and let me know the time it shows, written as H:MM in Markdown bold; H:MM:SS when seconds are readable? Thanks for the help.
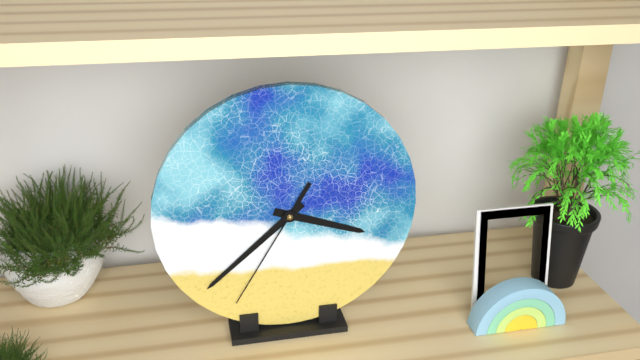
**3:38:35**
